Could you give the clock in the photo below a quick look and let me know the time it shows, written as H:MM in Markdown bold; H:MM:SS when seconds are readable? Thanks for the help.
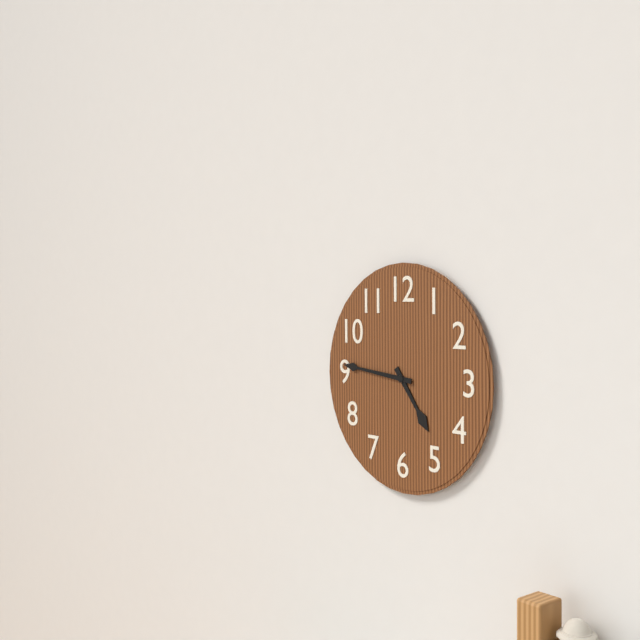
**4:46**
